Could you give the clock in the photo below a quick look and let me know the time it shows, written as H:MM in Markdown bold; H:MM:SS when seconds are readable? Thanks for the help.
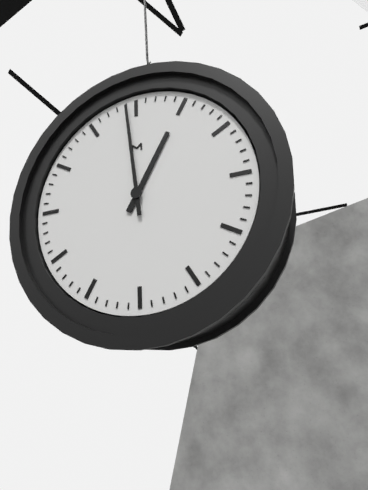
**12:59**
